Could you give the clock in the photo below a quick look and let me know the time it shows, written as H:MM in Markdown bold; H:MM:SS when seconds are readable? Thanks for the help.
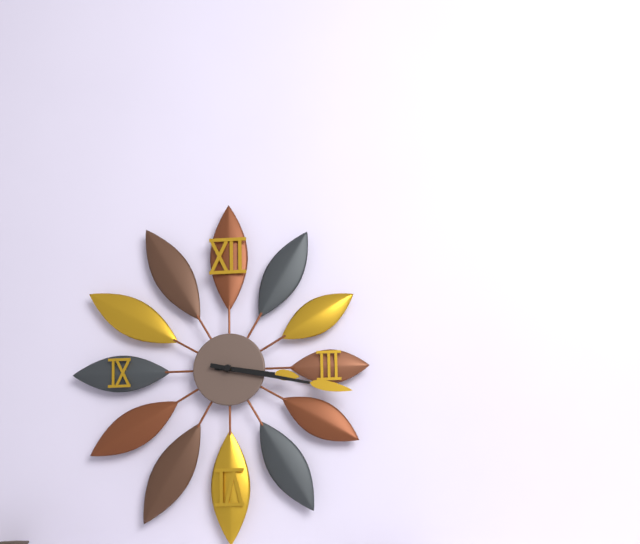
**3:17**
